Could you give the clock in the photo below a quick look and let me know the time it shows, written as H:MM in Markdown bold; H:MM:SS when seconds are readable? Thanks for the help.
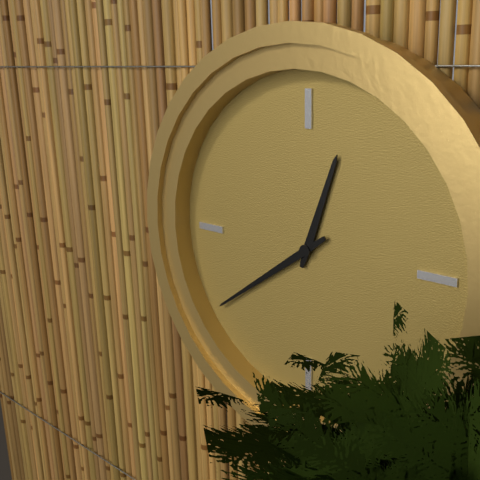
**12:39**
